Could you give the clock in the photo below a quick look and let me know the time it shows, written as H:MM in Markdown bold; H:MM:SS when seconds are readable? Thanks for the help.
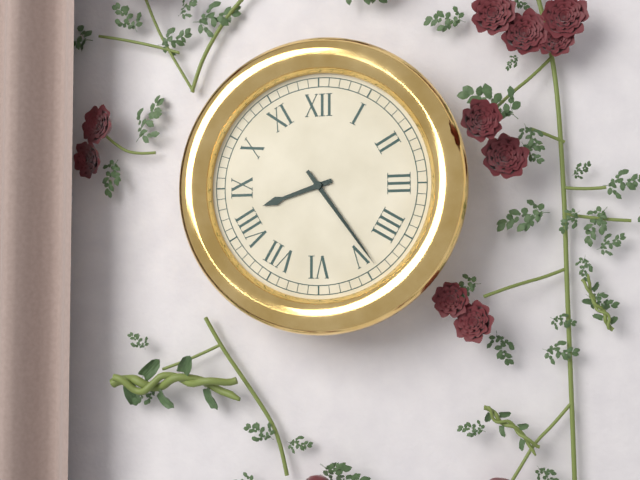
**8:24**
